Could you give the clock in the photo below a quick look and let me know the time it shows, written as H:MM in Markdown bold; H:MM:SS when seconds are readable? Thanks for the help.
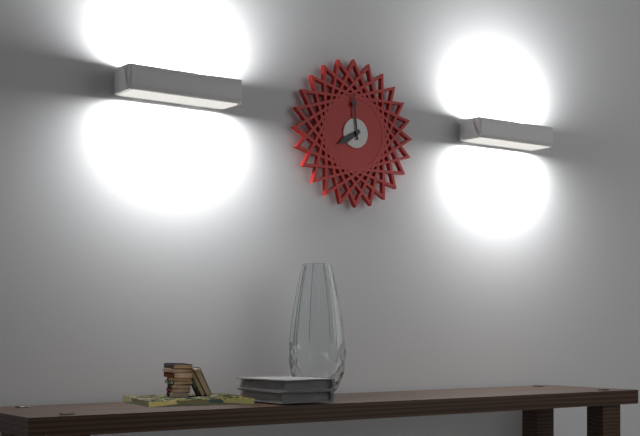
**7:59**
